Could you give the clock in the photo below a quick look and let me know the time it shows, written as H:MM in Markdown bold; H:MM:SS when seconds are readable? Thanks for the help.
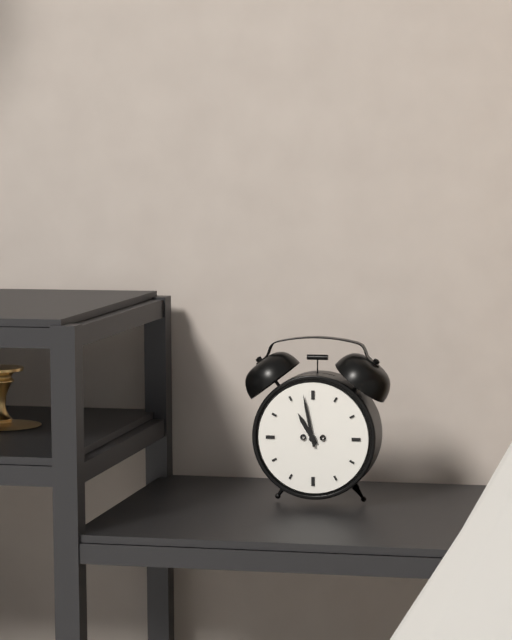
**10:58**
